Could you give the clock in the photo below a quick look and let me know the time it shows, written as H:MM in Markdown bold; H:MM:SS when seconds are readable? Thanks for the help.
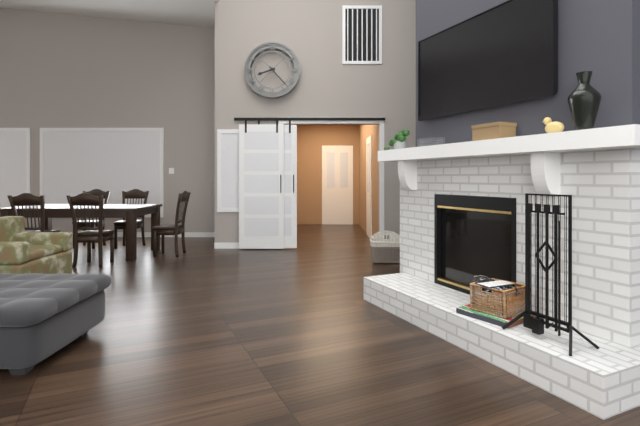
**8:23**
